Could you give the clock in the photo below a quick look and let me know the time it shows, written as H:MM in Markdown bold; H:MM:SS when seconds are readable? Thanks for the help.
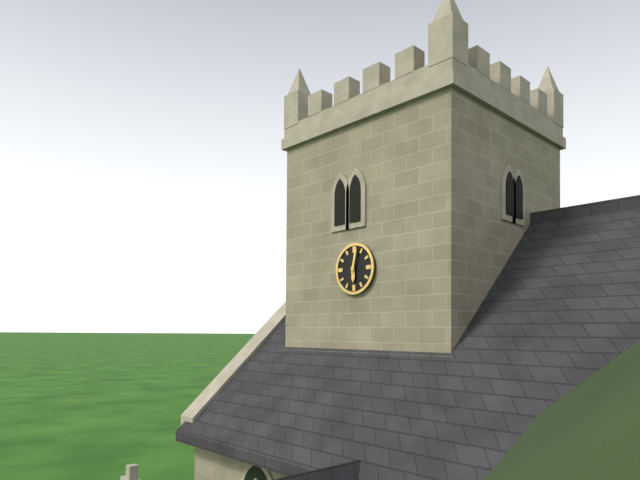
**6:02**
